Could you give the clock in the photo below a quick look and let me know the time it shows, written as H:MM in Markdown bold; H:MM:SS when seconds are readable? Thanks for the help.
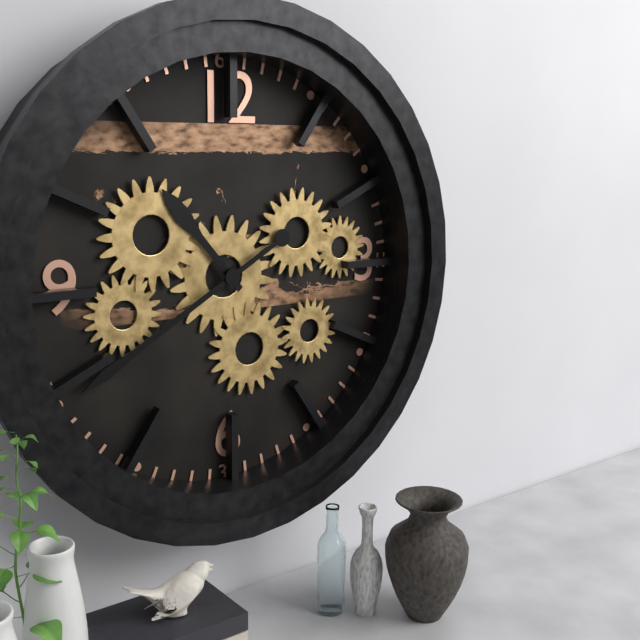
**10:40**
